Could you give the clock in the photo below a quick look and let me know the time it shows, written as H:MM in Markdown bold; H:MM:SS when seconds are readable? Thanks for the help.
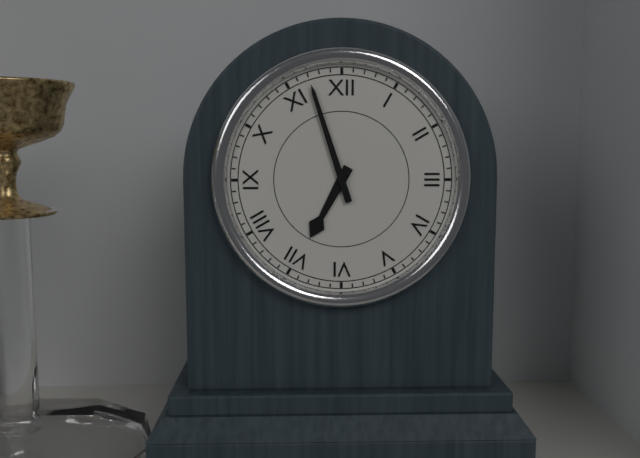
**6:57**
